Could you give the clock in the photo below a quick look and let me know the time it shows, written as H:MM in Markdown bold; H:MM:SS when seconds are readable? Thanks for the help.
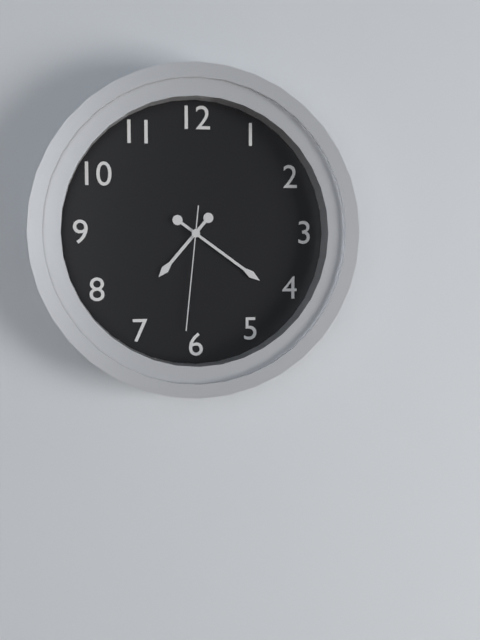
**7:21:31**
